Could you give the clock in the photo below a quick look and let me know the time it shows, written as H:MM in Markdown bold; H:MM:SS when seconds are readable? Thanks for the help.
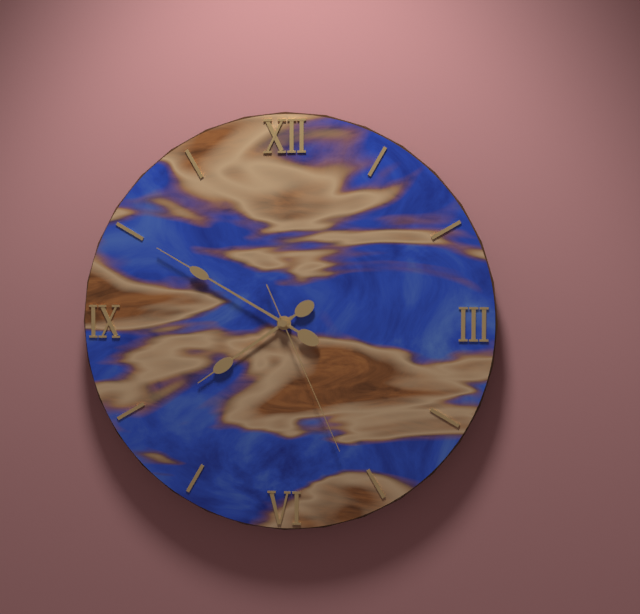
**7:50:26**
